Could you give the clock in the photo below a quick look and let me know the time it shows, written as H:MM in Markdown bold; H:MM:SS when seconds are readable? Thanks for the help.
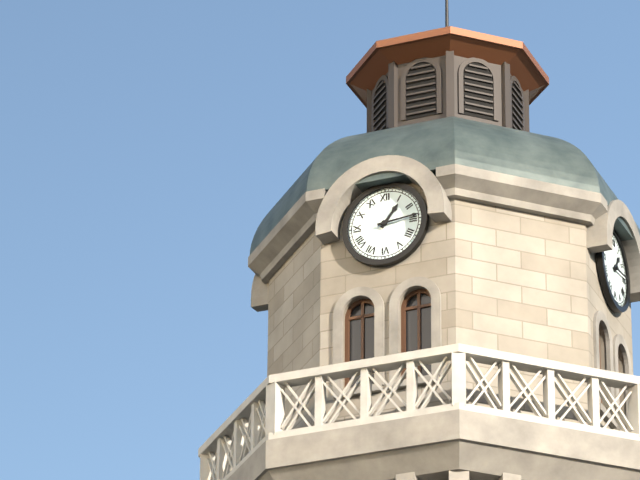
**1:14**
